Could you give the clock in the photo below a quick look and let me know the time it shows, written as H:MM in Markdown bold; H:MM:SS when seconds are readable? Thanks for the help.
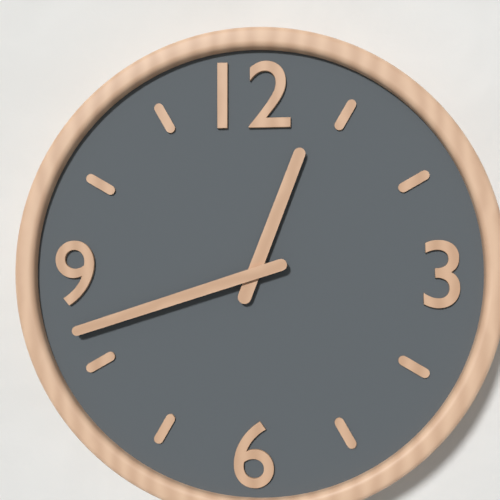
**12:42**
